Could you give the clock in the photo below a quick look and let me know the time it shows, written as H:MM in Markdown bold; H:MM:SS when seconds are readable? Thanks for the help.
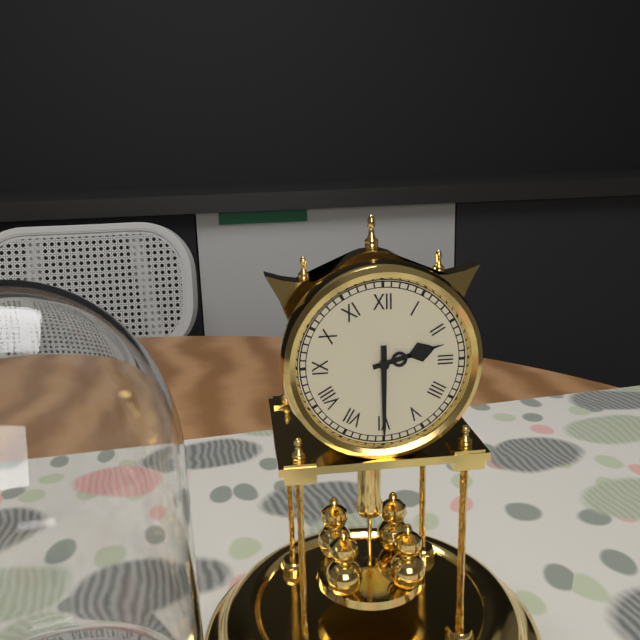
**2:30**
